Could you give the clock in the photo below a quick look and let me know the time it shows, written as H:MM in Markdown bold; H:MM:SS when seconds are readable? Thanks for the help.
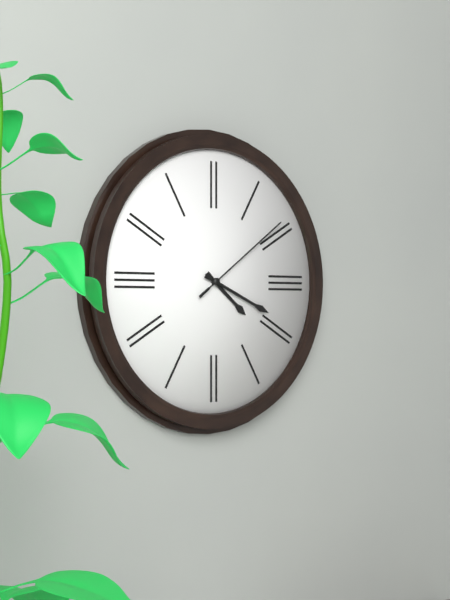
**4:19:09**
